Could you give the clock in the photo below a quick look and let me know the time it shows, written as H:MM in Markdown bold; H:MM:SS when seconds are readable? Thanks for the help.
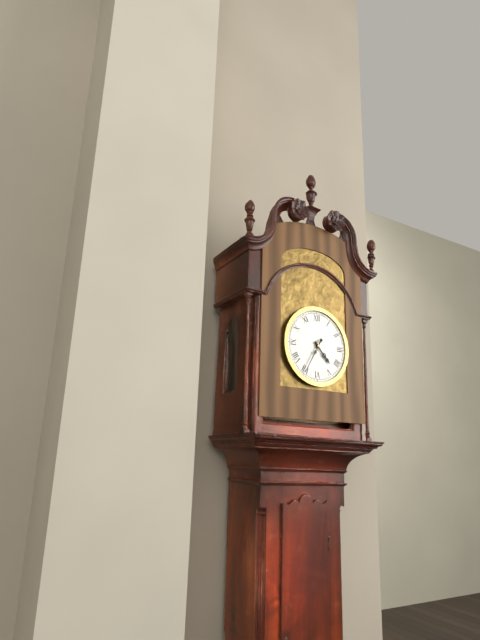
**4:35**
